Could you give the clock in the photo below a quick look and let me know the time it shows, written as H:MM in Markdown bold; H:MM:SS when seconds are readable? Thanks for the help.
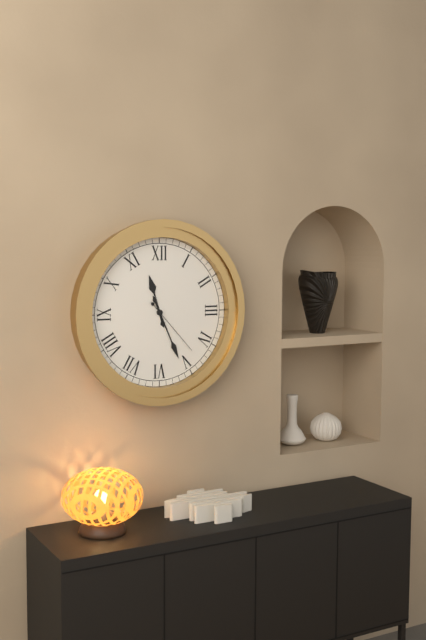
**11:26:23**
